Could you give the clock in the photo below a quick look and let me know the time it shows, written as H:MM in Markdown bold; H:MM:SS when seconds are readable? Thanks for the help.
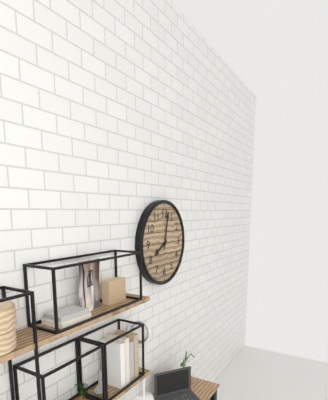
**8:02**
